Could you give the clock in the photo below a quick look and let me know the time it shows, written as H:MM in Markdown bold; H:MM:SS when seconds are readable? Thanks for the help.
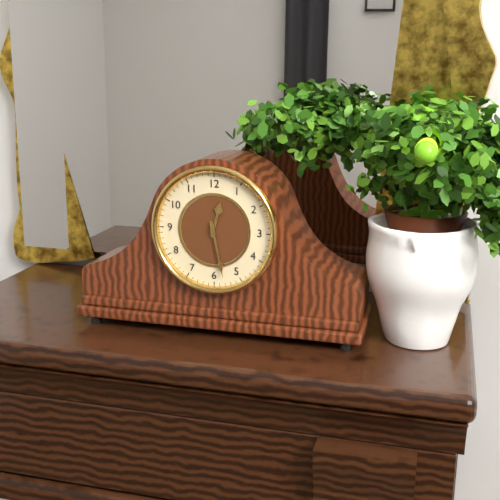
**12:28**
